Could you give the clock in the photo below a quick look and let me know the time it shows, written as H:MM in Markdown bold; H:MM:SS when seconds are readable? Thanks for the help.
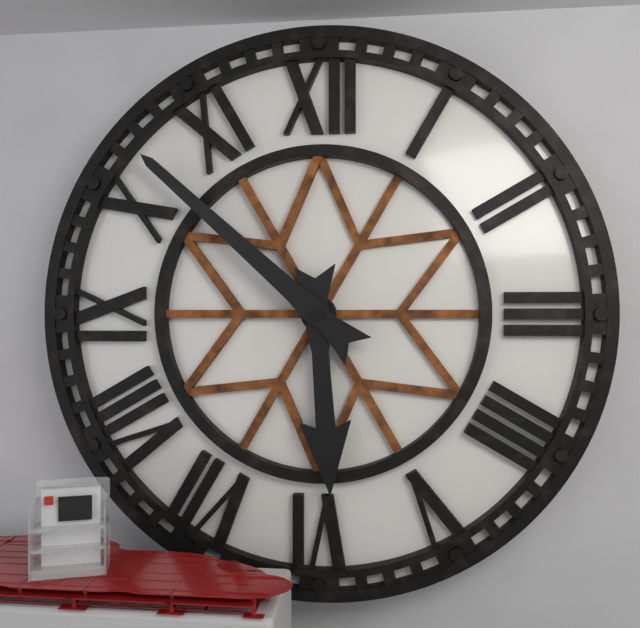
**5:52**
